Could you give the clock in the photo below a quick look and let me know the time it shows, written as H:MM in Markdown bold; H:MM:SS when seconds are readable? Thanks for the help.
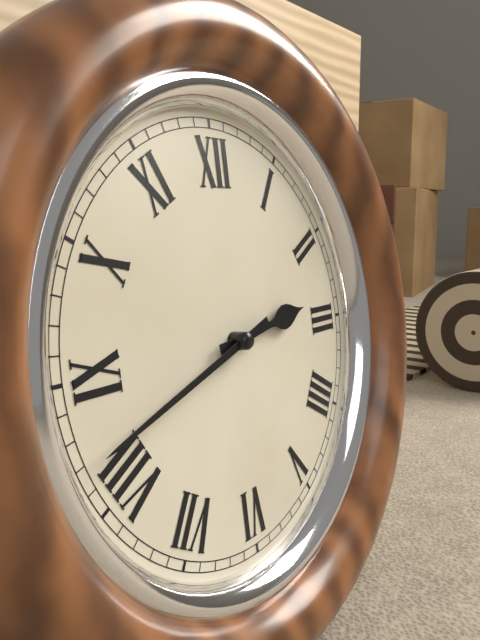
**2:42**
